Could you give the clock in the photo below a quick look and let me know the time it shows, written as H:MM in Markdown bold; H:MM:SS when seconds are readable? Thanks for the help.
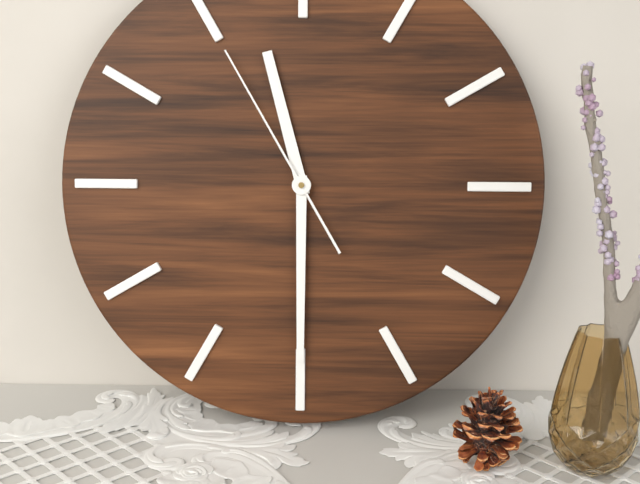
**11:30:55**
